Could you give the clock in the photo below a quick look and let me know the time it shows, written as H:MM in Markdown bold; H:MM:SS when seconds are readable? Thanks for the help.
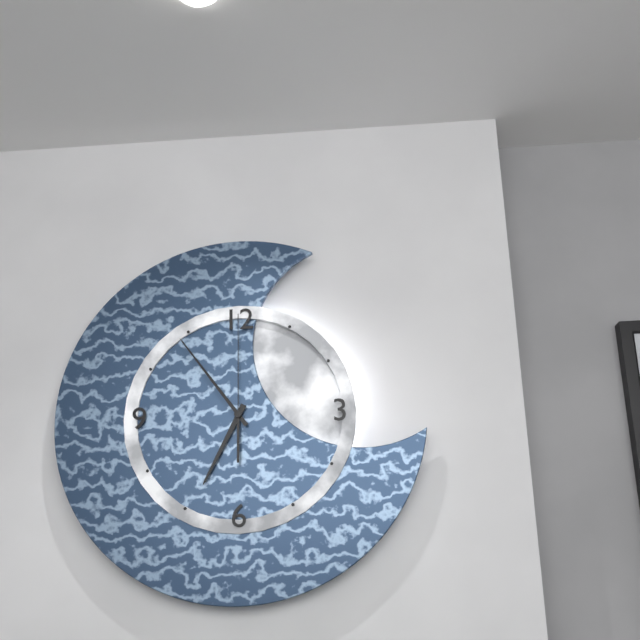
**6:54:00**
